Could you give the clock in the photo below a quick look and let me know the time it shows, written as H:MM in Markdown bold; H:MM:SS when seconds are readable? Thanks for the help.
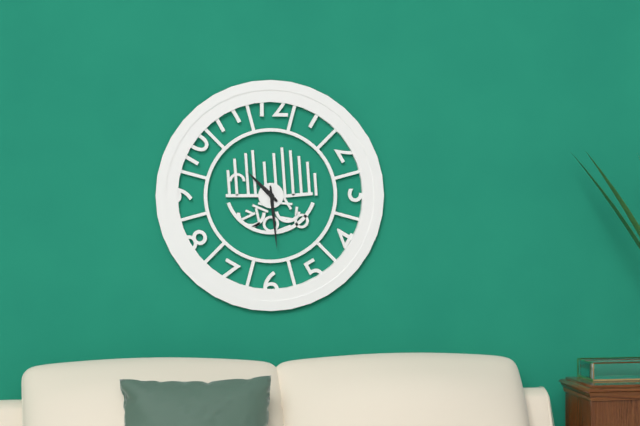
**10:29**
